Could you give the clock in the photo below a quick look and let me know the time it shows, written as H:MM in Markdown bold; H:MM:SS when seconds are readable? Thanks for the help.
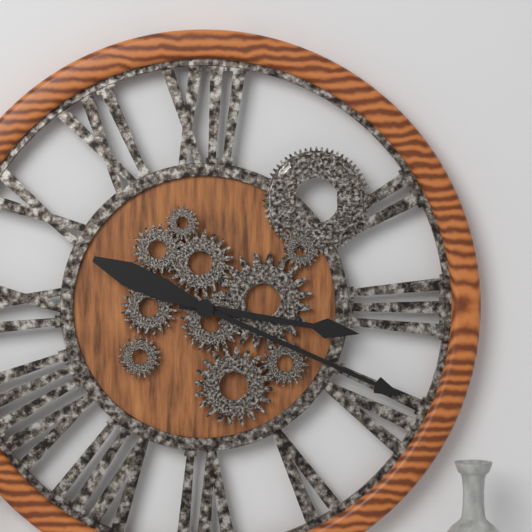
**3:19**
